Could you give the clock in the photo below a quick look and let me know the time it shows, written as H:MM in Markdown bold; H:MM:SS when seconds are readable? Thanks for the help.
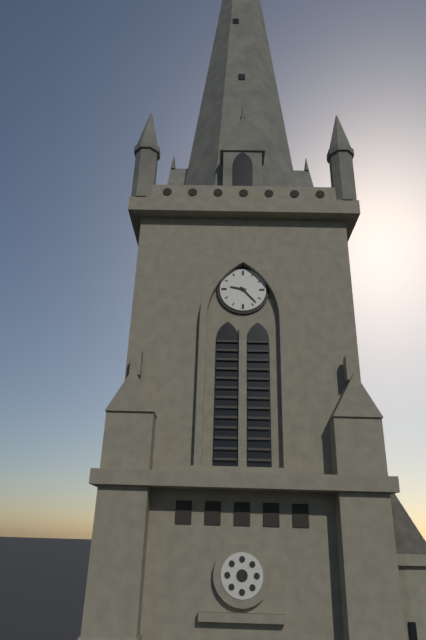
**9:23**
